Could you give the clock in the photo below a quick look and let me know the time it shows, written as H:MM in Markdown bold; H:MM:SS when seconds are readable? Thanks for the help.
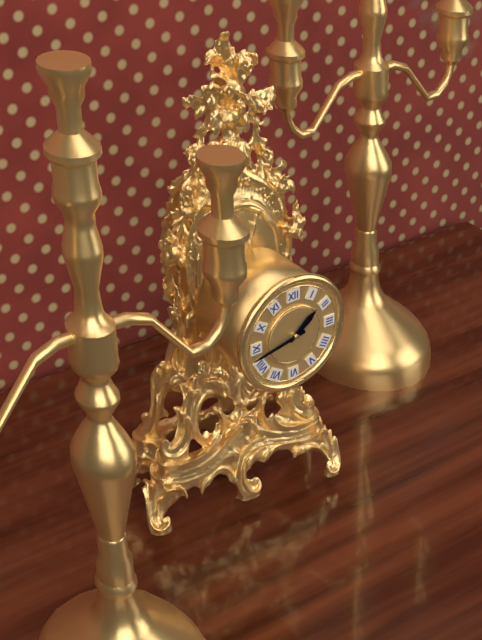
**1:43**
